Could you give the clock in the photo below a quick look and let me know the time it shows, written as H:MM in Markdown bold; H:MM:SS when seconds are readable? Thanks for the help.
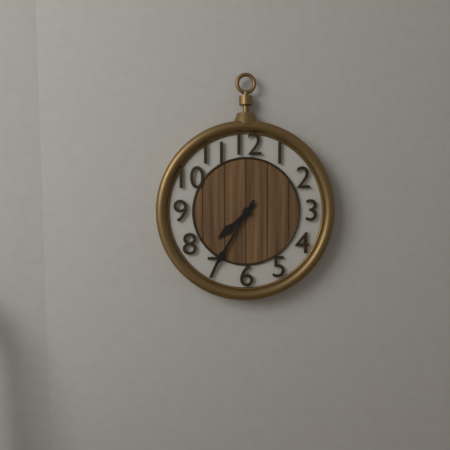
**7:35**
